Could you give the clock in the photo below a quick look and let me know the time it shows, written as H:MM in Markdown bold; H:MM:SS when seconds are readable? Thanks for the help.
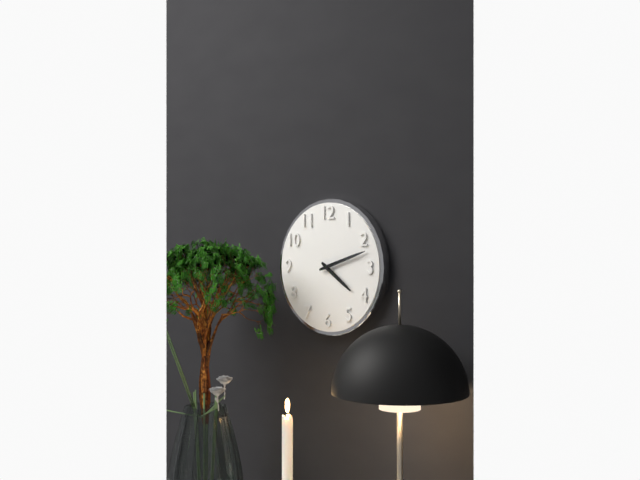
**4:12**
